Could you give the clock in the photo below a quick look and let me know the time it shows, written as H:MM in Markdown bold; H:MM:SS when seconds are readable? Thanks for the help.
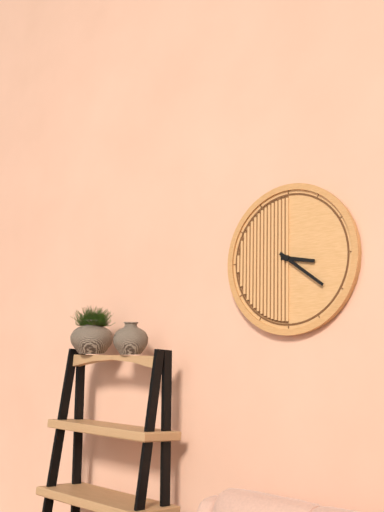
**3:21**
